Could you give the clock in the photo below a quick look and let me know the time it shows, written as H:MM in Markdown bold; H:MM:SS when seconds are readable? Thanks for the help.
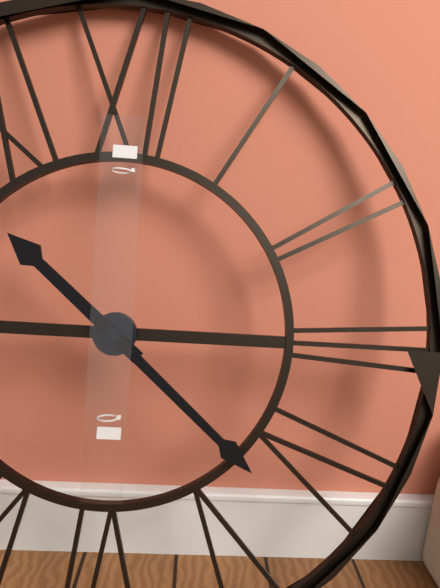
**10:22**
